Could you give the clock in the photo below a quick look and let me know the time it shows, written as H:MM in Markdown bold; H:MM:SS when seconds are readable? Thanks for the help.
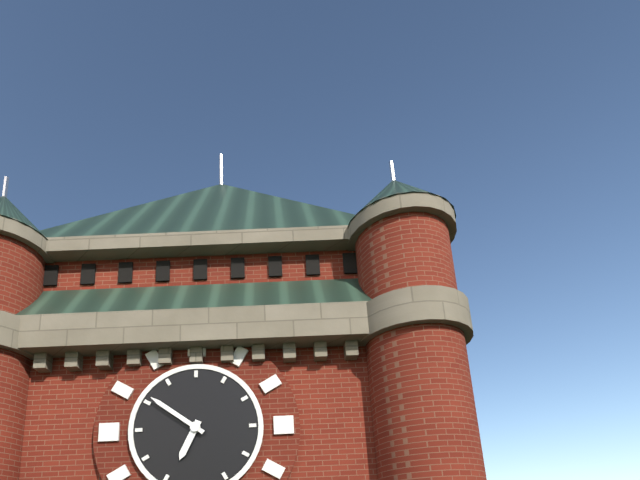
**6:51**
